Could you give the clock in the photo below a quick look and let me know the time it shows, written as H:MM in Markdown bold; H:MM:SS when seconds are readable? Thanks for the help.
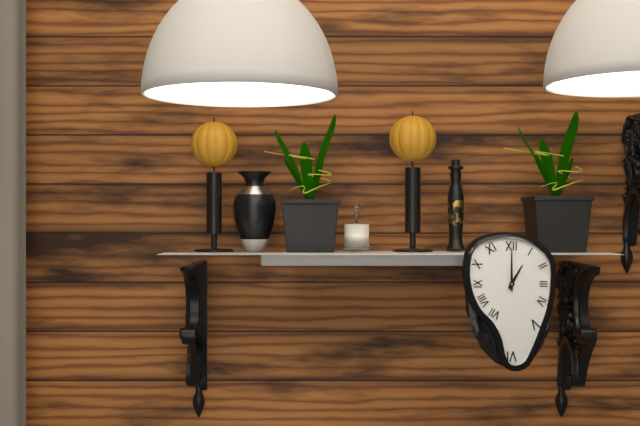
**1:00**
